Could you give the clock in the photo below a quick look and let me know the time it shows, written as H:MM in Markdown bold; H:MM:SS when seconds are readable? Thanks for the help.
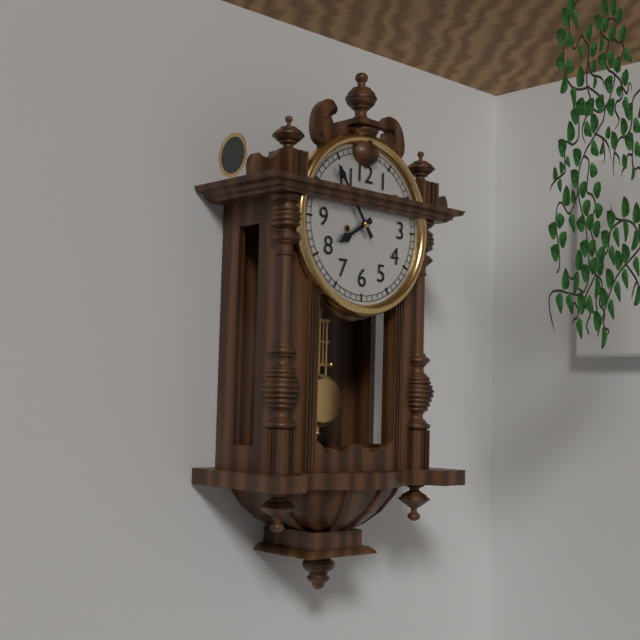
**7:54**
